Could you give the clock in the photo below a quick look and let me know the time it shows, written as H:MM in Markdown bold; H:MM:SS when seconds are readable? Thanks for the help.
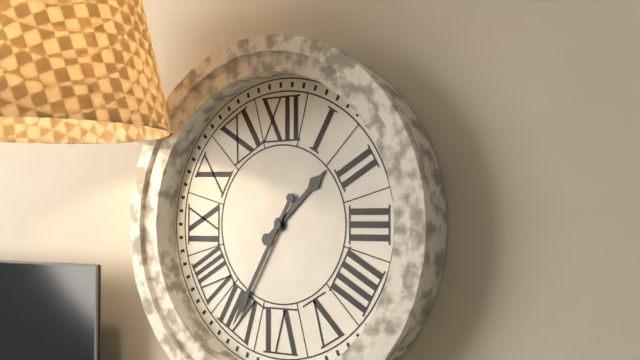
**1:35**
